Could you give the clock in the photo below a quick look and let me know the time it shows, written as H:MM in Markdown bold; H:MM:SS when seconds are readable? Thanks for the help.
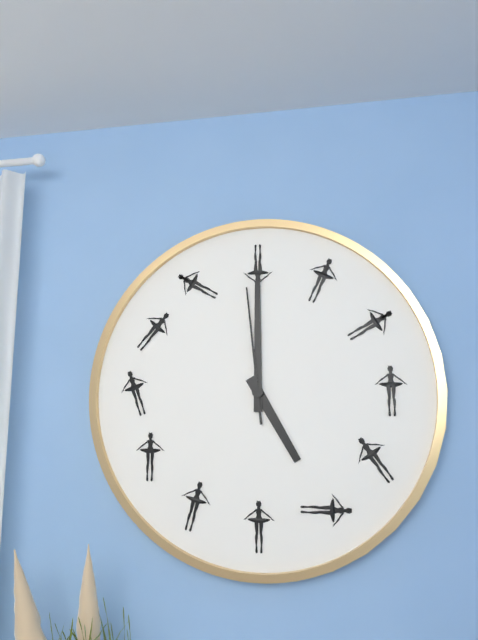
**5:00:59**
